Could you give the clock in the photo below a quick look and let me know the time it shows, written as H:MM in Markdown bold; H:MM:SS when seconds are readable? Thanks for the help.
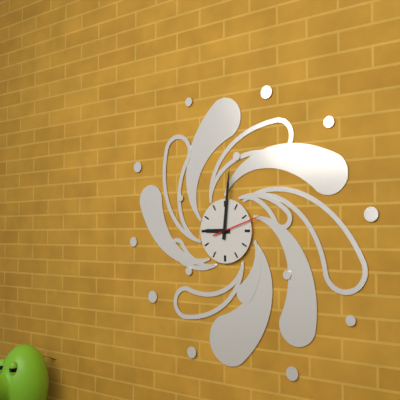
**9:01:12**
